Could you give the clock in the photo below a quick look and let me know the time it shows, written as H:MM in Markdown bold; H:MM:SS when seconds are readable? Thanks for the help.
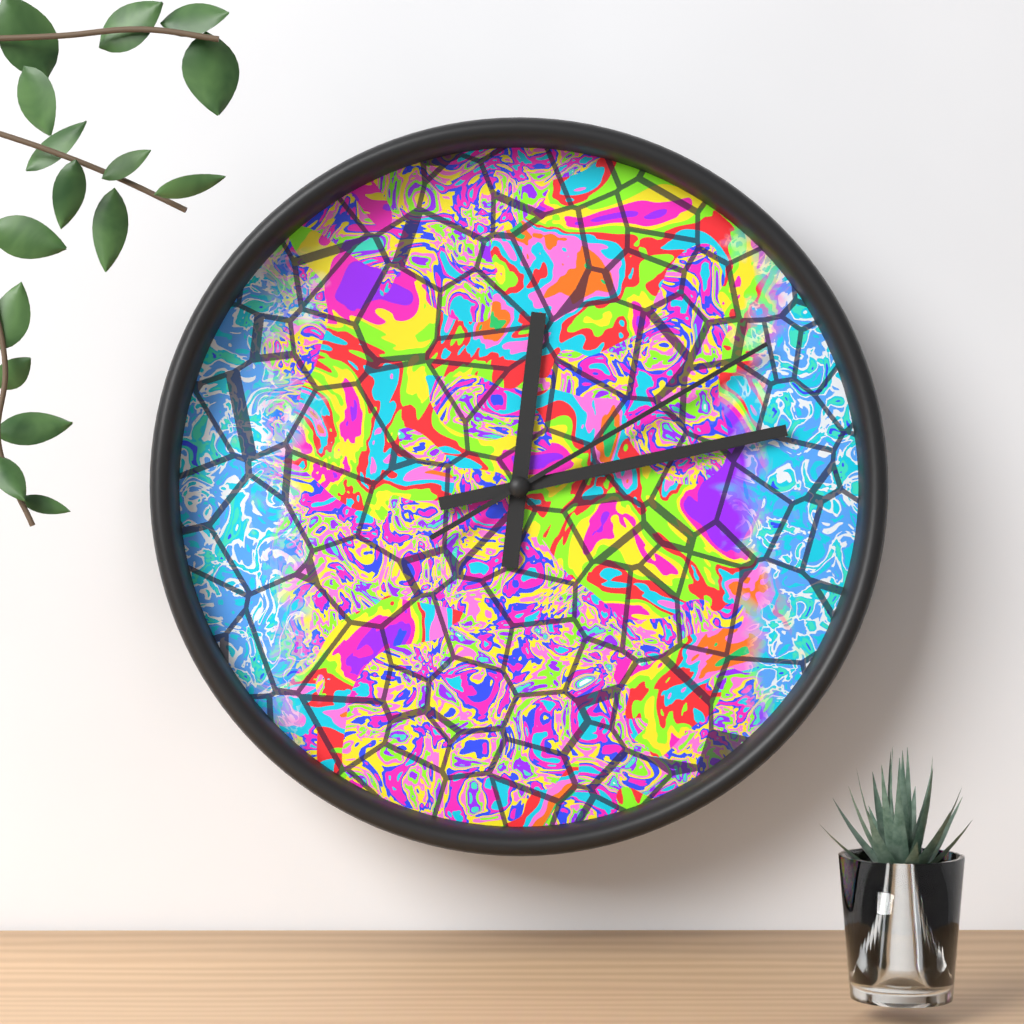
**12:13:10**
